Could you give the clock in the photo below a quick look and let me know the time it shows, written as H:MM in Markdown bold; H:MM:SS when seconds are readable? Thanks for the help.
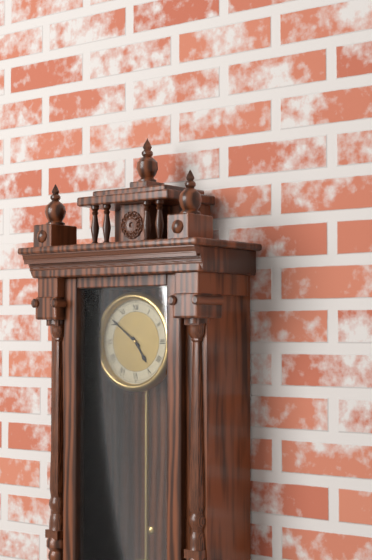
**4:51**
